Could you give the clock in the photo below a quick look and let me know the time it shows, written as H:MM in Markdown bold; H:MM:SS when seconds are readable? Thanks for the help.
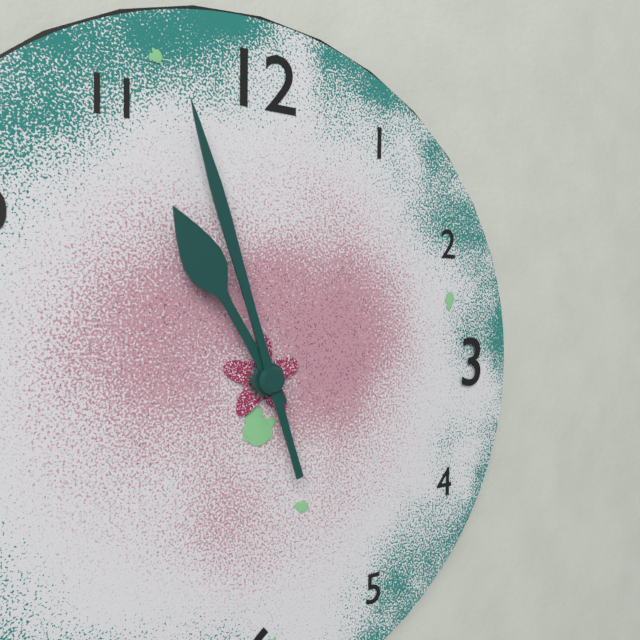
**10:57**
